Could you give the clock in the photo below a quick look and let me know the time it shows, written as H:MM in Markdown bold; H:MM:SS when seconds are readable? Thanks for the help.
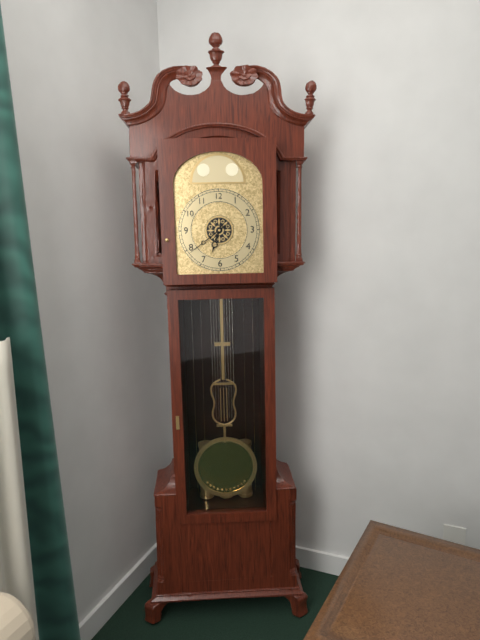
**6:39**
